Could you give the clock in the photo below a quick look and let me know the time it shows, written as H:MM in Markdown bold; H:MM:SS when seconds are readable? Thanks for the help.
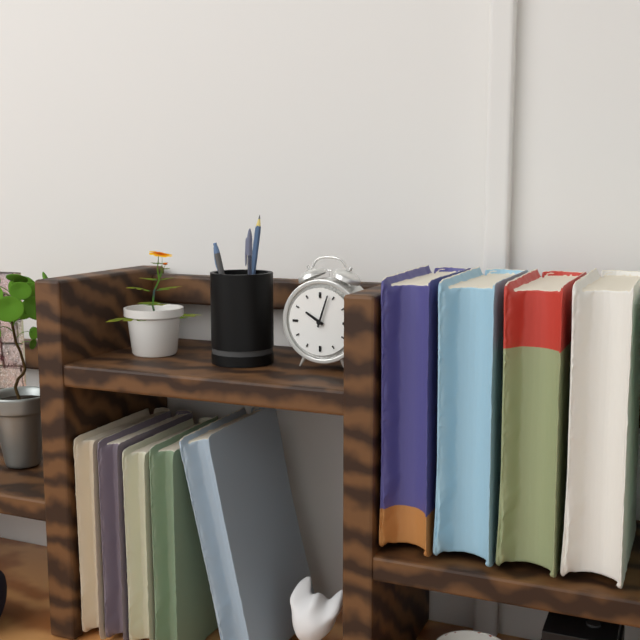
**10:03**
